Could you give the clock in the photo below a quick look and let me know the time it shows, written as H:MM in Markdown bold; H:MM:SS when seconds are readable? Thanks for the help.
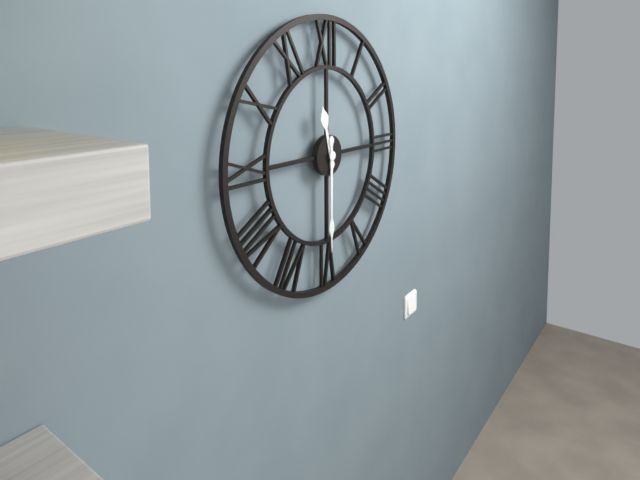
**11:30**
